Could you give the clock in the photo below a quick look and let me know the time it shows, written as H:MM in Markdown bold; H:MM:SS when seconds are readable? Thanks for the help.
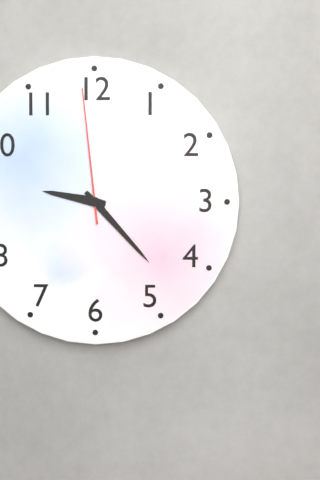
**9:23:59**
